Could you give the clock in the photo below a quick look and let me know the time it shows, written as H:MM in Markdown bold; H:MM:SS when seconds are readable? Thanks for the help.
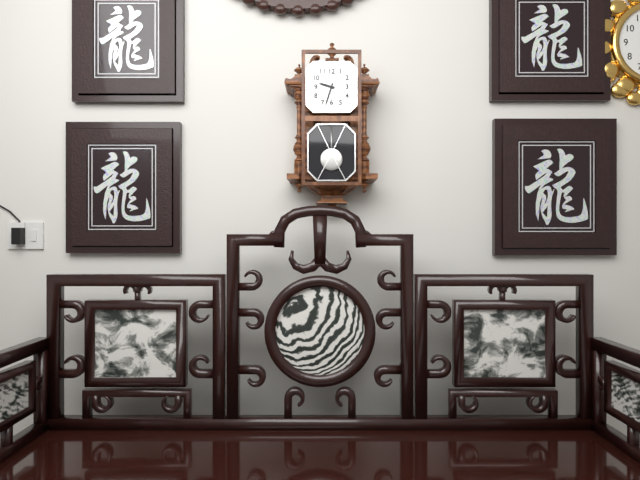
**9:33**
